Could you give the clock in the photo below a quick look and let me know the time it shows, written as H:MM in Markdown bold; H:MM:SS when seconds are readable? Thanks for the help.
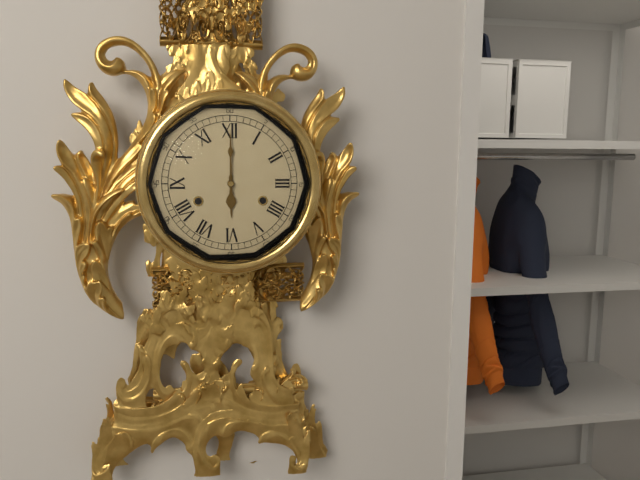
**6:00**
